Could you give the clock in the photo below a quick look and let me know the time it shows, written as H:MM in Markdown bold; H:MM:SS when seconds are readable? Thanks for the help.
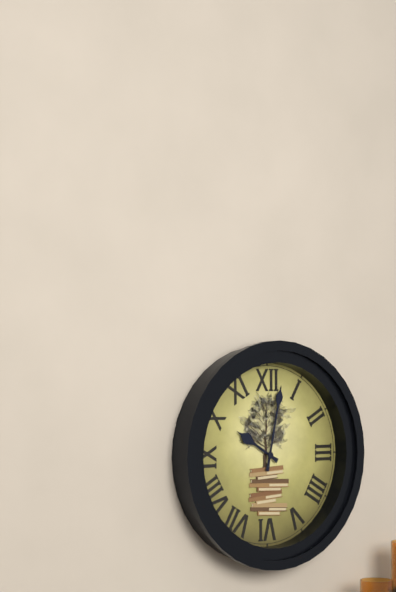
**10:02**
